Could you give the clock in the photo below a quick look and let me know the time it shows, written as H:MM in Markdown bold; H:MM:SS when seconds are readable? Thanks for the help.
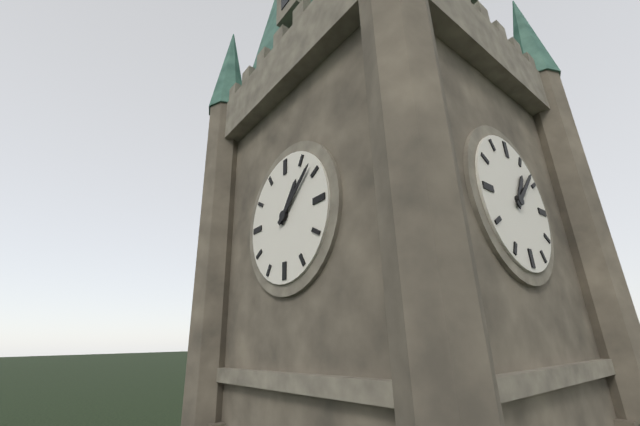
**1:08**
